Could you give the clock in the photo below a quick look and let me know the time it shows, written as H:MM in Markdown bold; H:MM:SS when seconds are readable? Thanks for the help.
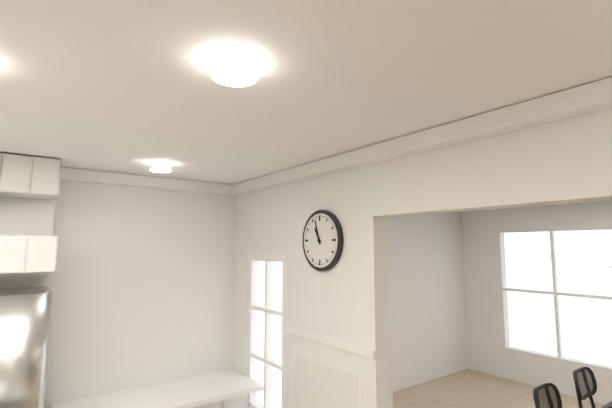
**10:57**
